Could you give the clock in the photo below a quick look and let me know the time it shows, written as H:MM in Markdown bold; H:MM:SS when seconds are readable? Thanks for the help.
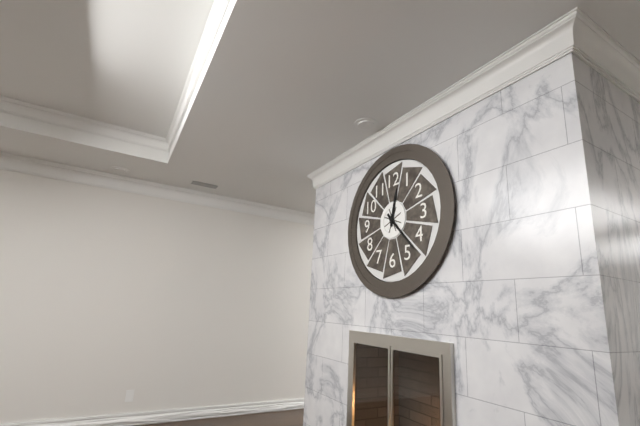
**12:23**
